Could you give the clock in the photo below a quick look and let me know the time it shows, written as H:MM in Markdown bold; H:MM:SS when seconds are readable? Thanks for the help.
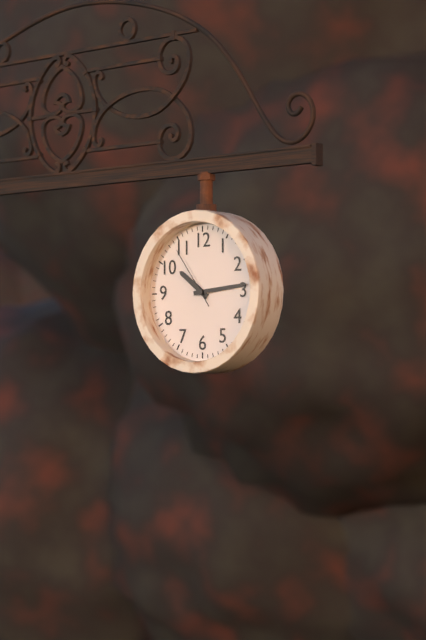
**10:14:54**
